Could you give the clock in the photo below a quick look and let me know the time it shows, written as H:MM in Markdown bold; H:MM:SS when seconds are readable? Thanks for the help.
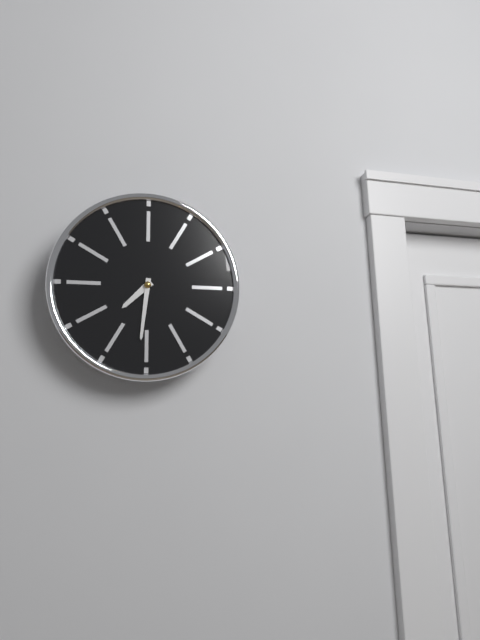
**7:31**
